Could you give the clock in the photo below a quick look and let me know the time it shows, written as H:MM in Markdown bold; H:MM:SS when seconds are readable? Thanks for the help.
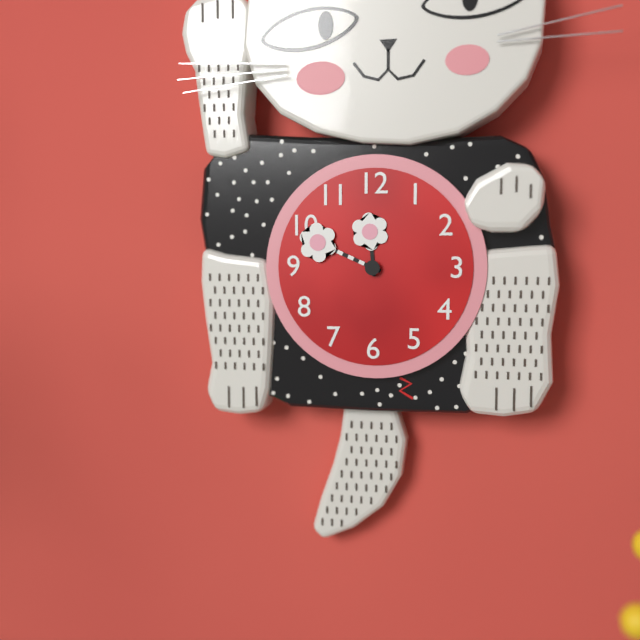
**11:49**
